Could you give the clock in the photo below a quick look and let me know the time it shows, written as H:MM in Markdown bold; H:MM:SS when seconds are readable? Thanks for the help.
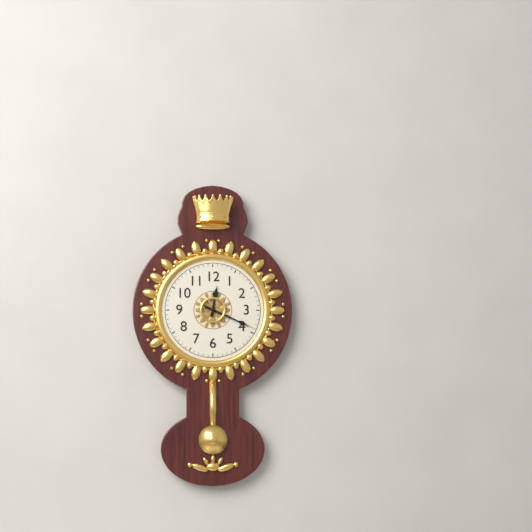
**12:19:19**
